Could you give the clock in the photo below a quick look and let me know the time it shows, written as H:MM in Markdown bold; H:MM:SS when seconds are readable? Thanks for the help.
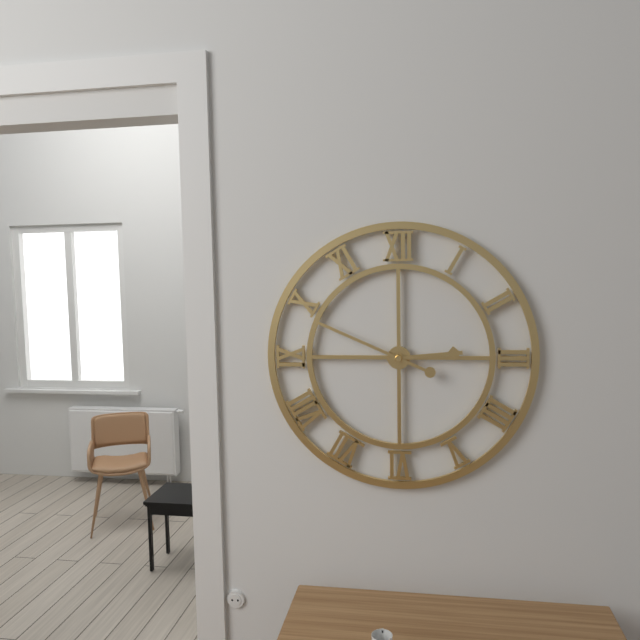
**2:49**
